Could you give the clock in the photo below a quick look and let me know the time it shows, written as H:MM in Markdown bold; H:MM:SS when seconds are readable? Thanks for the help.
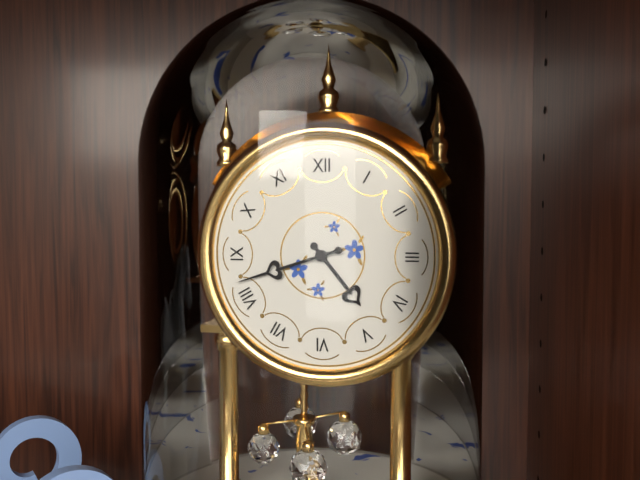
**4:42**
